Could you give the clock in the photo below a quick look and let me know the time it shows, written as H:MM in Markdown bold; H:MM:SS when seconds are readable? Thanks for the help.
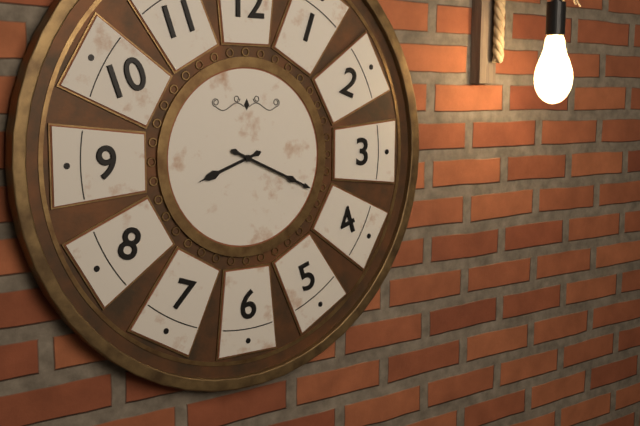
**8:19**
